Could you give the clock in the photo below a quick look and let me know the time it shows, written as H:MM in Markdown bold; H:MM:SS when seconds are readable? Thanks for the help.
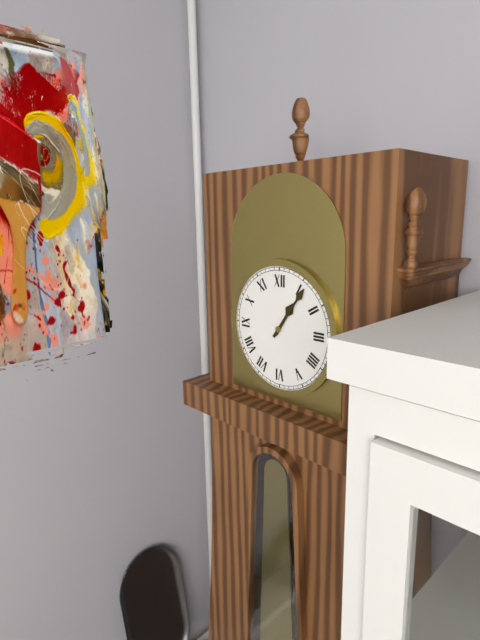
**1:06**
